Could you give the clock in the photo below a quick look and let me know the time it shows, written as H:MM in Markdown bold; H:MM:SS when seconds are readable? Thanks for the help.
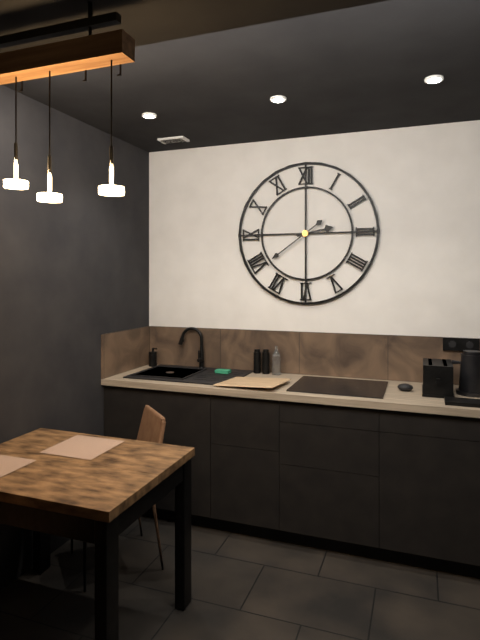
**2:39**
